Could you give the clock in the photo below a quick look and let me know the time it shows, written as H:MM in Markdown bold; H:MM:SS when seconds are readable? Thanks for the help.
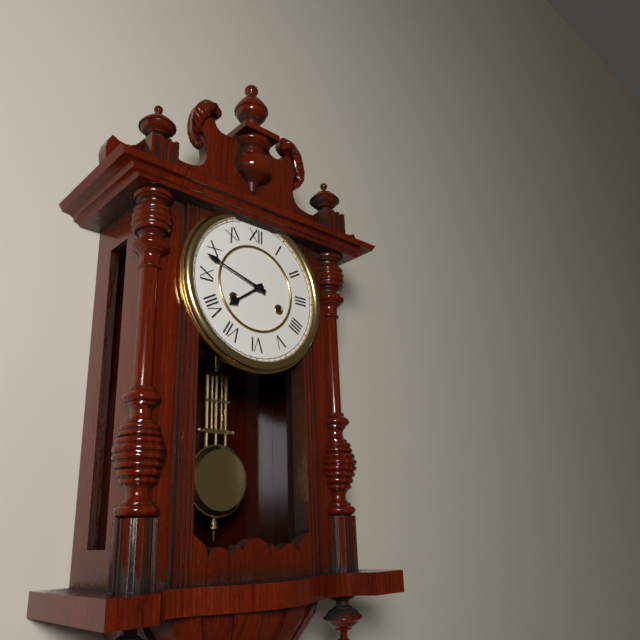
**7:48**
